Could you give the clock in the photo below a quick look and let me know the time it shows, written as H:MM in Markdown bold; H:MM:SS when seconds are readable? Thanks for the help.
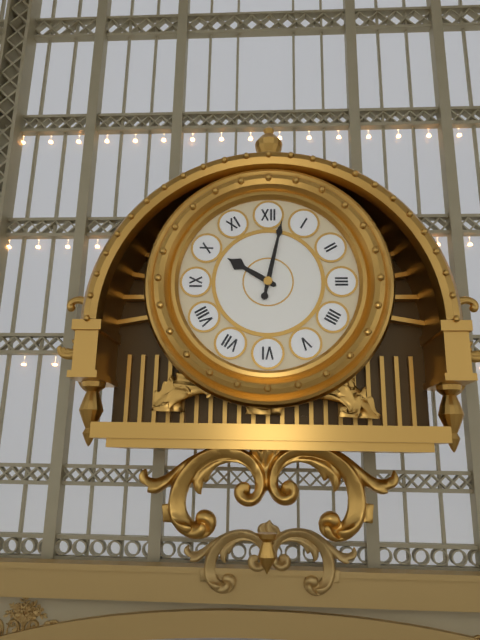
**10:02**
